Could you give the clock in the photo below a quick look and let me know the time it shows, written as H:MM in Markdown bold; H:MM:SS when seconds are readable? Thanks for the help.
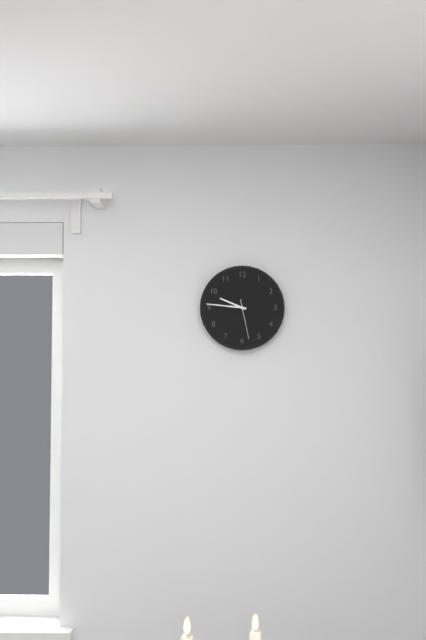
**9:46**
